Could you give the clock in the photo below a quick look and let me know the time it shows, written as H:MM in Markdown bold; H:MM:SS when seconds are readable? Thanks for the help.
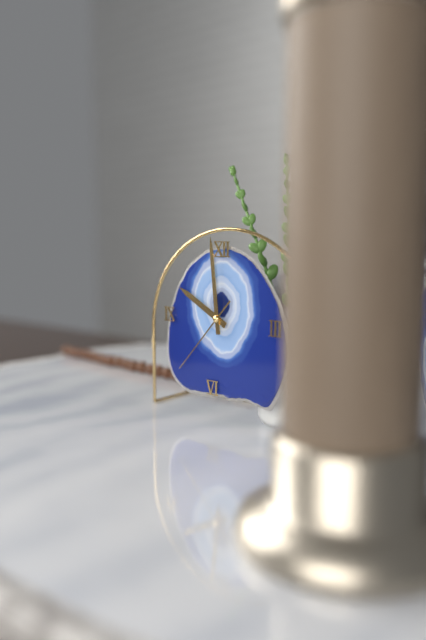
**9:59:37**
